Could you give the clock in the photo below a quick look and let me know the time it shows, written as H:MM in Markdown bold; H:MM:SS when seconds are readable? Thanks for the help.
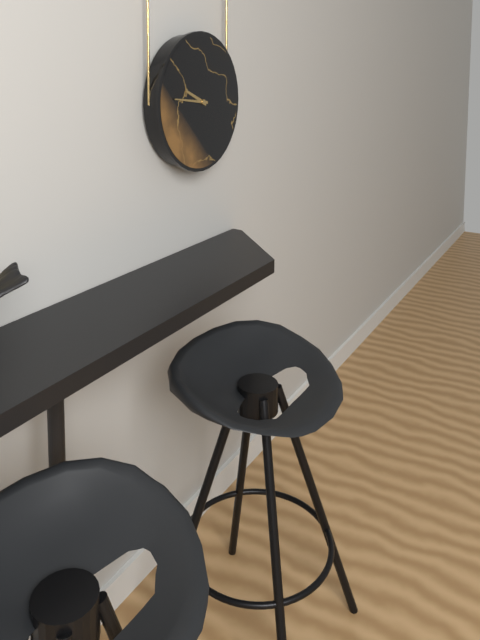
**9:46**
